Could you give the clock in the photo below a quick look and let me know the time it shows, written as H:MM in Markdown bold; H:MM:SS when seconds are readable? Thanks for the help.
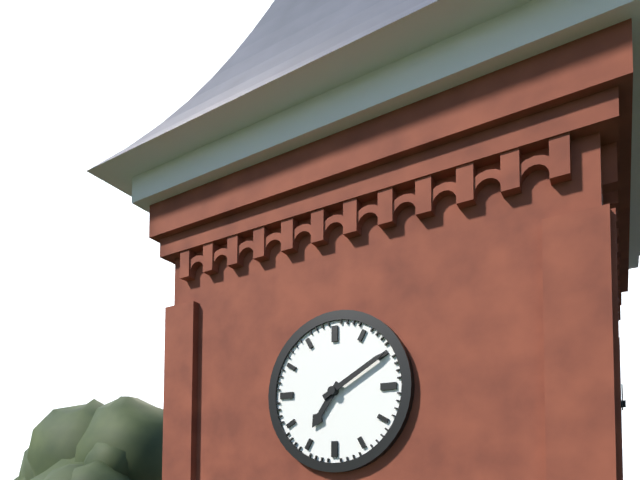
**7:10**
